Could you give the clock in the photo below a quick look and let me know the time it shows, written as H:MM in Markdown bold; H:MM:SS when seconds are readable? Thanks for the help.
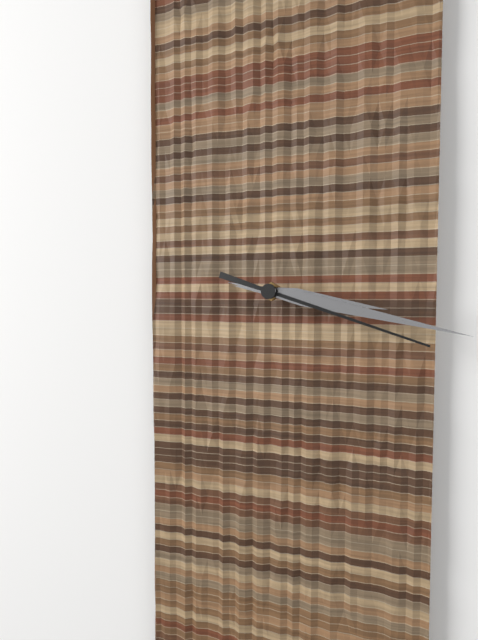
**3:17:18**
